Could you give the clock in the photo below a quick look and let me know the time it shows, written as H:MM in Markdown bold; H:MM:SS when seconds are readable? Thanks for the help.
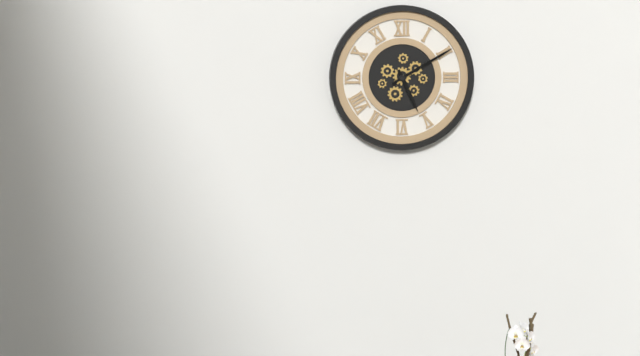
**5:10**
